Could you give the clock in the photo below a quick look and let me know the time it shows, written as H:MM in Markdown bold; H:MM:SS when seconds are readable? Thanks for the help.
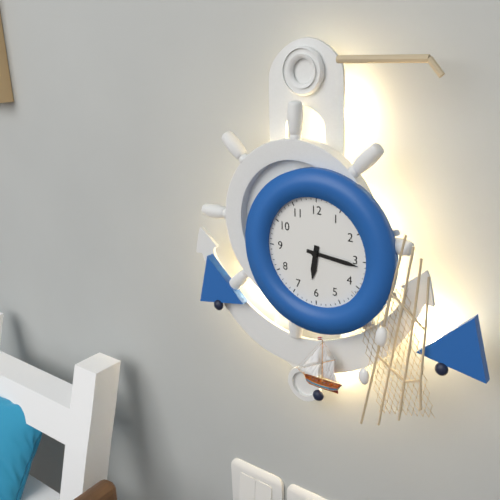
**6:16**
